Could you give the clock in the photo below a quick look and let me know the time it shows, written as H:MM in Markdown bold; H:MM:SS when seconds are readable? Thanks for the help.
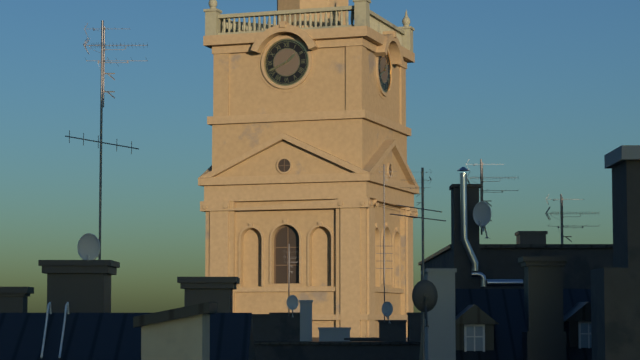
**1:41**
